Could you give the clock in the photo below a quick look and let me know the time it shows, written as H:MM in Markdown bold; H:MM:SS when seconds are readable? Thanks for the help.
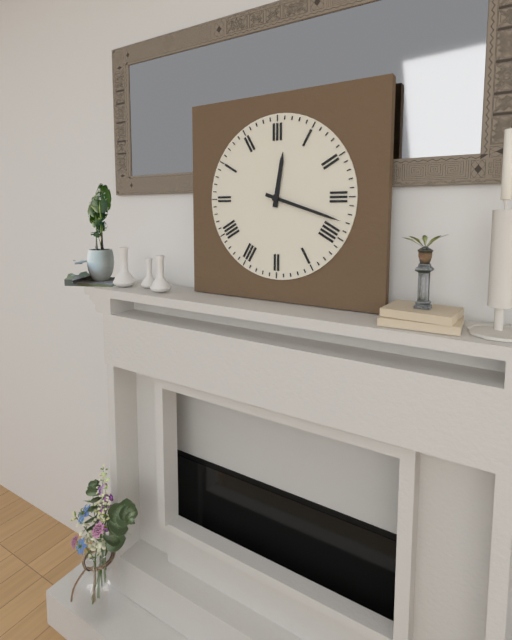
**12:18**
